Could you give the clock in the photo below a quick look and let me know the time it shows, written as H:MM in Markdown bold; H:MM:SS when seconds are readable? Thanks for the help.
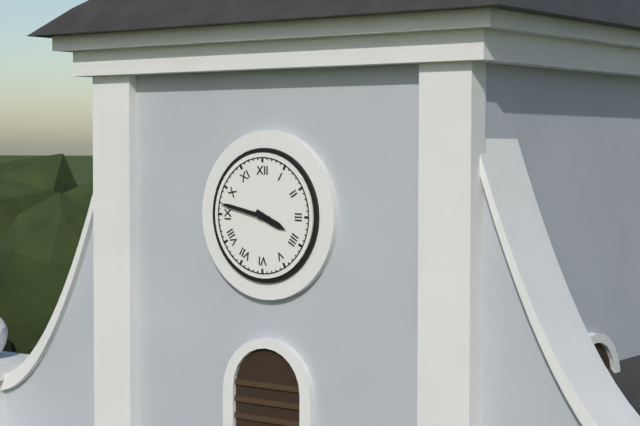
**3:47**
